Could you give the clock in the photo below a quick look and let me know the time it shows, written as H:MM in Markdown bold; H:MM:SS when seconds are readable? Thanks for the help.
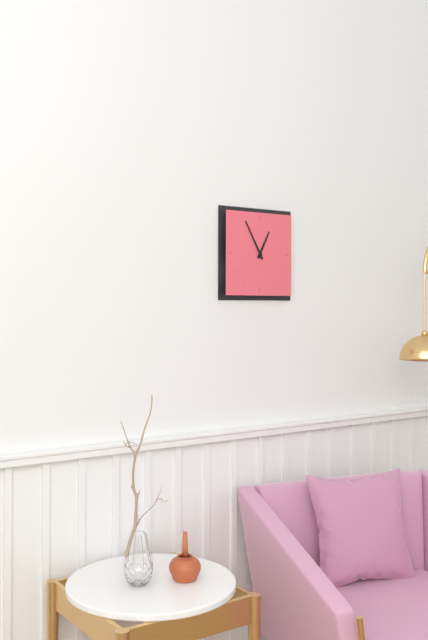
**12:55**
